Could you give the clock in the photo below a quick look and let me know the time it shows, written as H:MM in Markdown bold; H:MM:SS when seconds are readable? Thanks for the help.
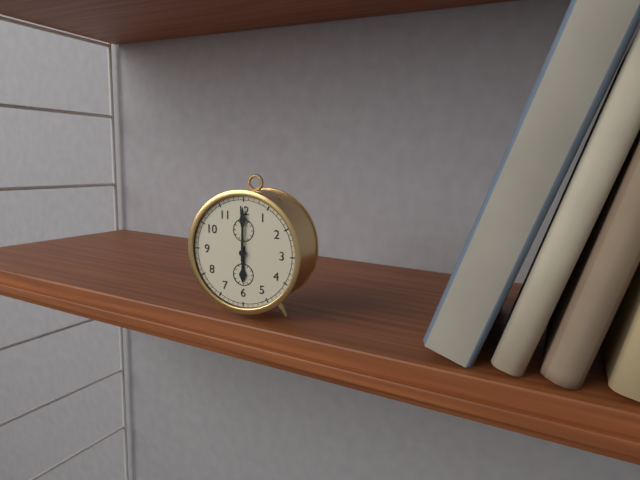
**6:00**
